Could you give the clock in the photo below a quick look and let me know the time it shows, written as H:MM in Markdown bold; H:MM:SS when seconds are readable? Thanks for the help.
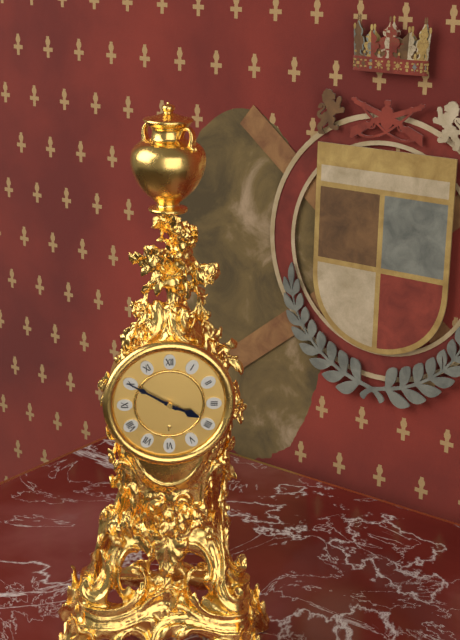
**3:50**
